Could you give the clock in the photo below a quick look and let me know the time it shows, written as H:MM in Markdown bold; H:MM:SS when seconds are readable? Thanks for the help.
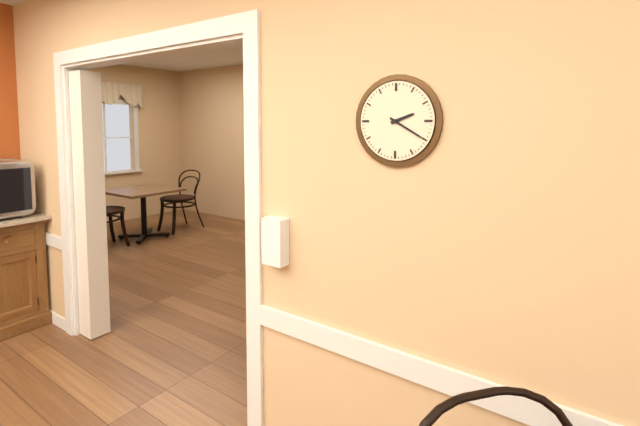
**2:20**
